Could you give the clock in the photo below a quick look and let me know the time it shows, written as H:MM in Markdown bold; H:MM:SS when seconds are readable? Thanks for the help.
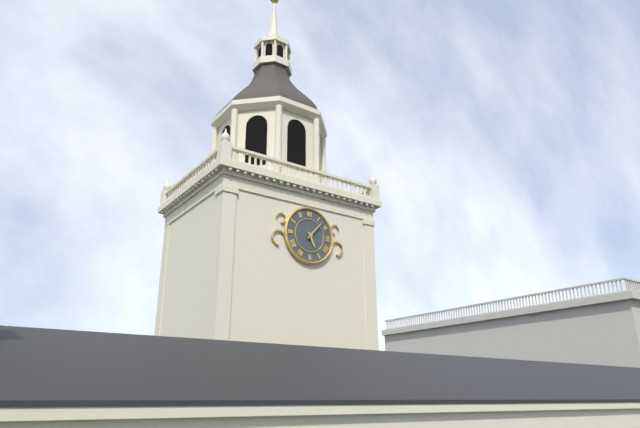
**5:07**
